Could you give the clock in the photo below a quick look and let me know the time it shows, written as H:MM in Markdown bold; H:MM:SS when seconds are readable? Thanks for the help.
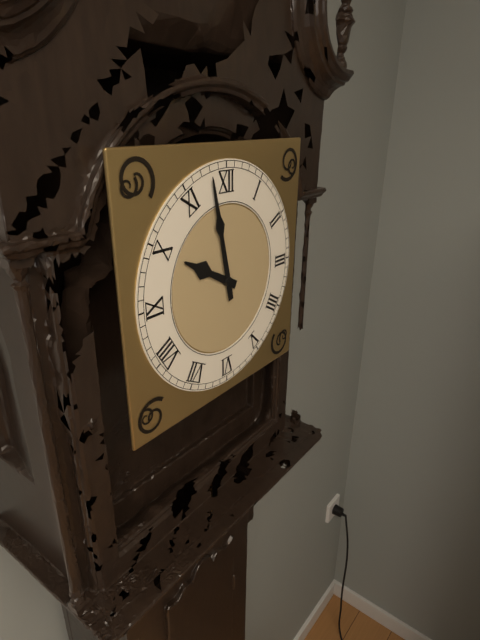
**9:58**
